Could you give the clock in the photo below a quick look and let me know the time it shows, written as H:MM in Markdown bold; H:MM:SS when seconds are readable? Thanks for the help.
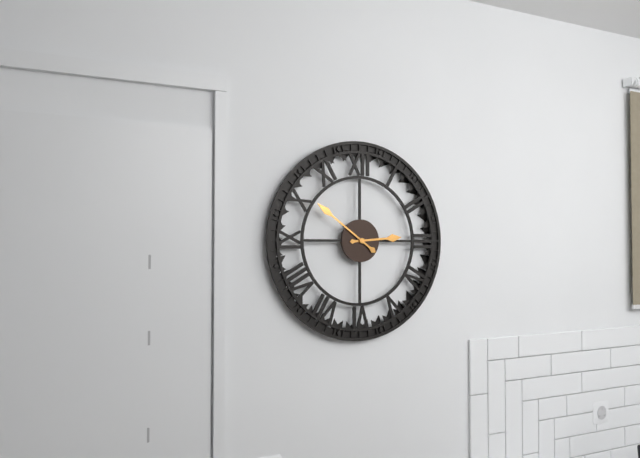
**2:51**
